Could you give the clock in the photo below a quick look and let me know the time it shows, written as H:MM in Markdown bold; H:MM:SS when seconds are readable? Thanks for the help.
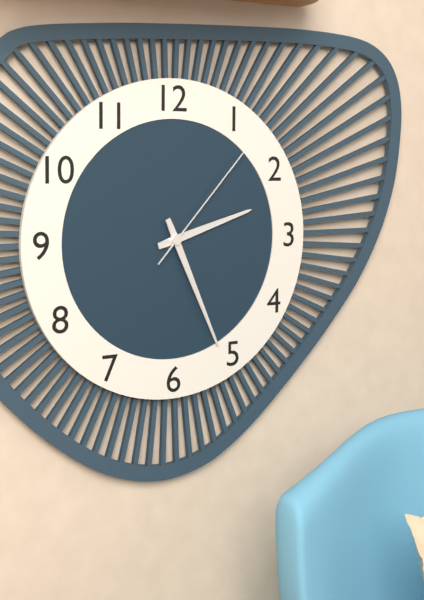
**2:26:07**
